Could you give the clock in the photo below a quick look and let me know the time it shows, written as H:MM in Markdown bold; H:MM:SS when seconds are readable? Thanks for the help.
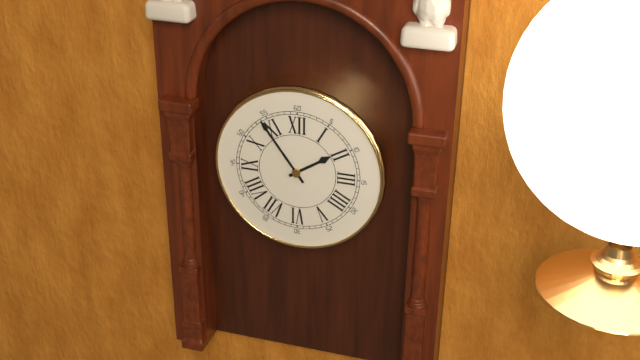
**1:54**
